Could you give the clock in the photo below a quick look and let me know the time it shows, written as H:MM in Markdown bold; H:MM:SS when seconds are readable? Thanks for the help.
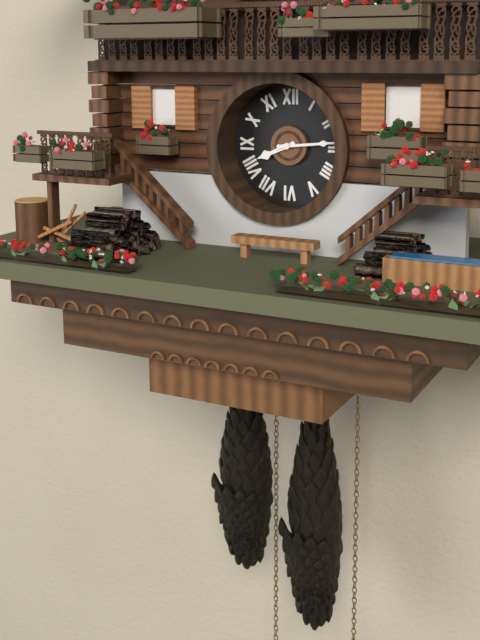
**8:14**
